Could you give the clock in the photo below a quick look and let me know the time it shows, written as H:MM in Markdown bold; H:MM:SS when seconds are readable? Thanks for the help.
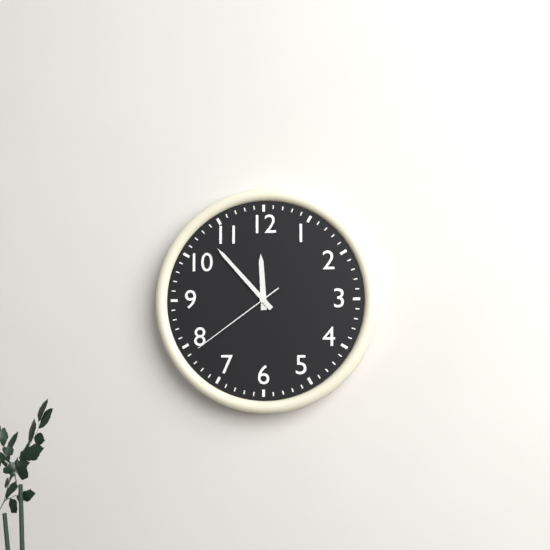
**11:53:39**
